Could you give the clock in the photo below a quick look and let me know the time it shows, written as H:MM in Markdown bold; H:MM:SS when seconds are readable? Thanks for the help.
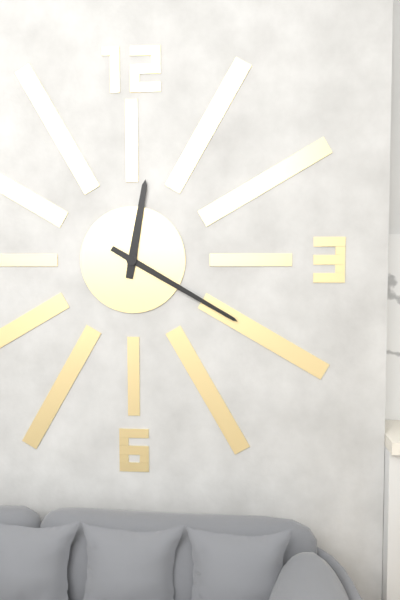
**12:20**
